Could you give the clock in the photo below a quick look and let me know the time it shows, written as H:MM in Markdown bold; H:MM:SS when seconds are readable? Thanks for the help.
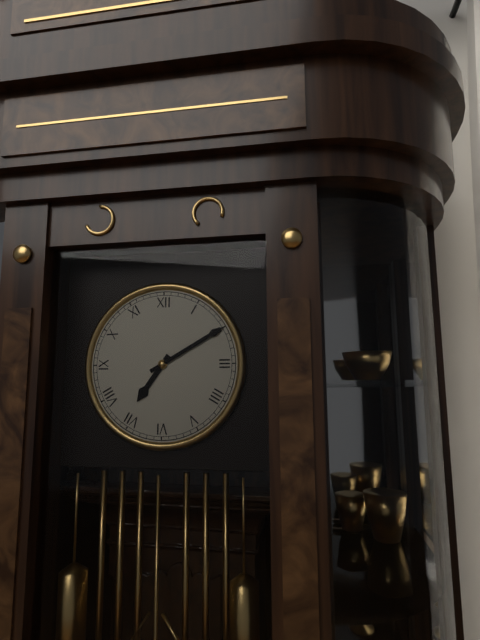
**7:10**
